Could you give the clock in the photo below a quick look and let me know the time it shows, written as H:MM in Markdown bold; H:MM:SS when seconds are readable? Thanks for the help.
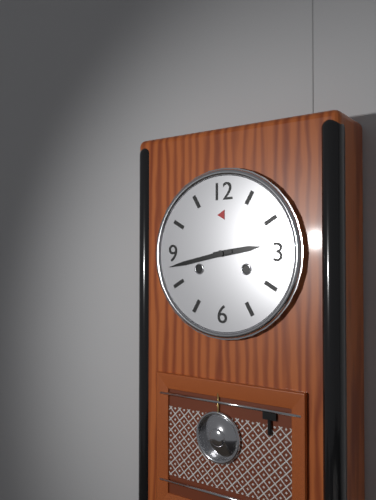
**2:43**
